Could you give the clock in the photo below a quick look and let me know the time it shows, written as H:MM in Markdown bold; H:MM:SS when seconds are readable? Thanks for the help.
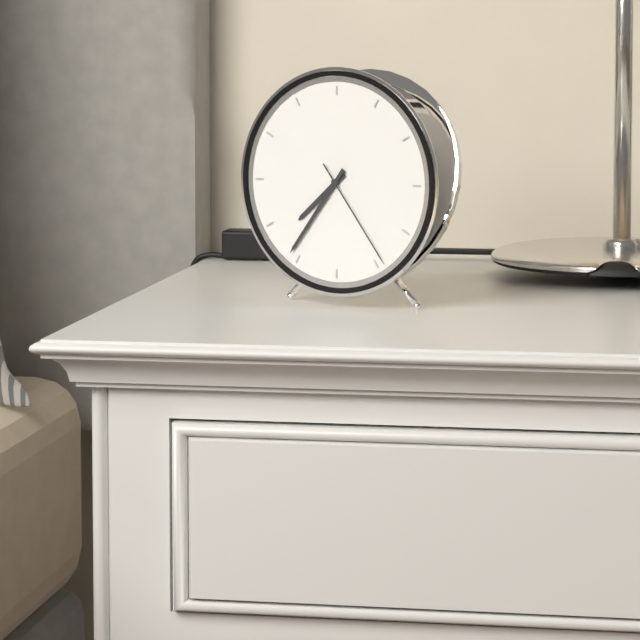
**7:36:24**
